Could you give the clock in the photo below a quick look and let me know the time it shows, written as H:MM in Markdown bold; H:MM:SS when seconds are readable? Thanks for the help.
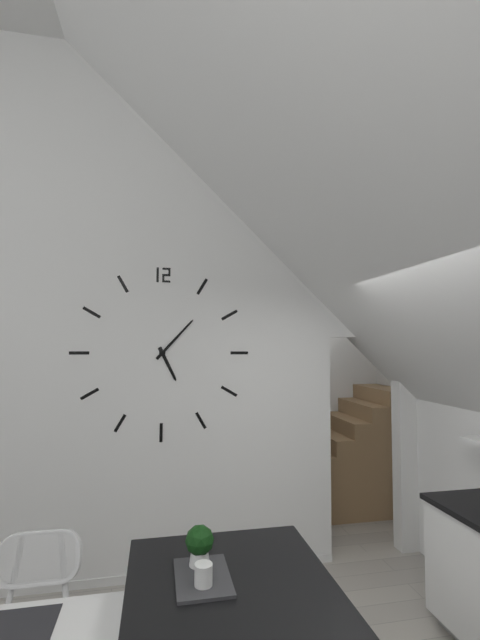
**5:07**
